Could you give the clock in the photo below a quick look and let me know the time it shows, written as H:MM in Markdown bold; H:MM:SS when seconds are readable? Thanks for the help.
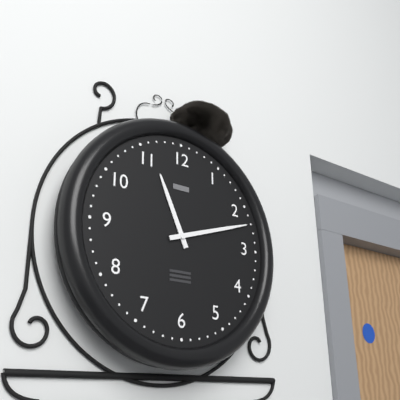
**11:12**
